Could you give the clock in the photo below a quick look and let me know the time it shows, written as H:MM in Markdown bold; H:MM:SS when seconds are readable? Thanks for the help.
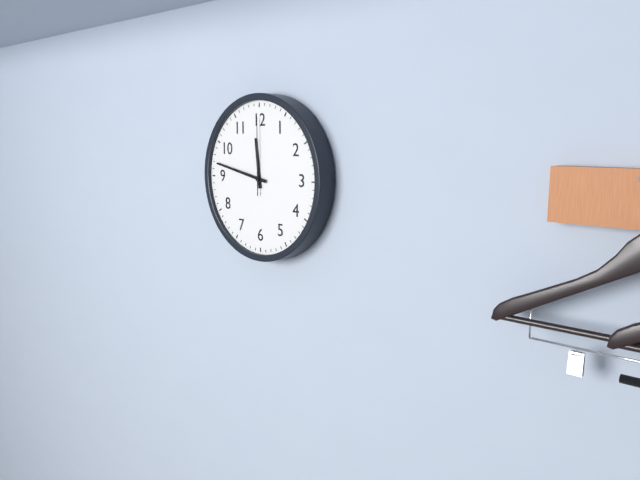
**11:47:00**
